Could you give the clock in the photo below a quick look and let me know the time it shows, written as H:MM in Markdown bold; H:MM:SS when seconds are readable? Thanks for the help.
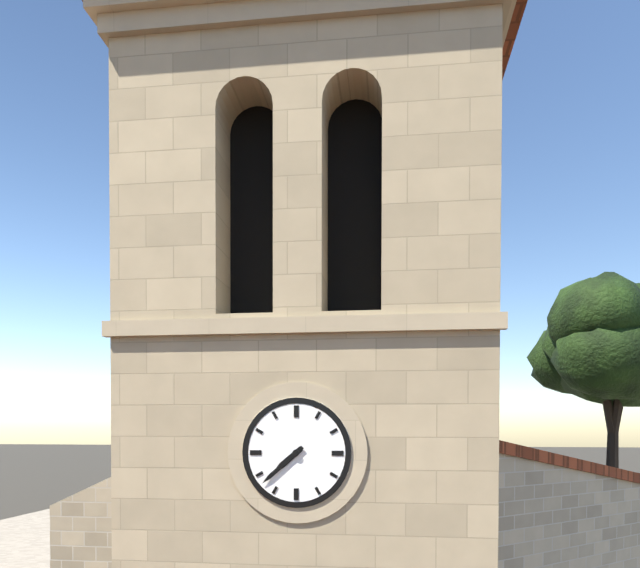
**7:38**
